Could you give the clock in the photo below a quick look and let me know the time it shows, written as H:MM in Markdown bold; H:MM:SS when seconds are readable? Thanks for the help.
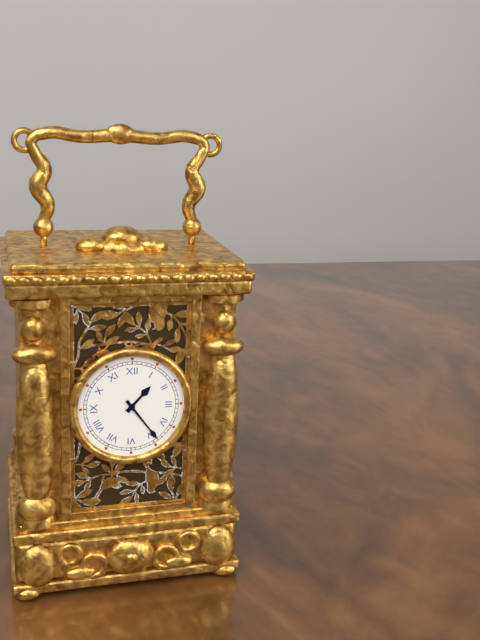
**1:24**
